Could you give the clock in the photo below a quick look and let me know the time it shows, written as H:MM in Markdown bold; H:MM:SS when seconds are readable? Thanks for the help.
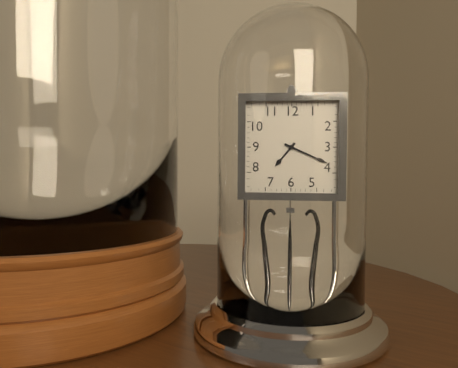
**7:19**
